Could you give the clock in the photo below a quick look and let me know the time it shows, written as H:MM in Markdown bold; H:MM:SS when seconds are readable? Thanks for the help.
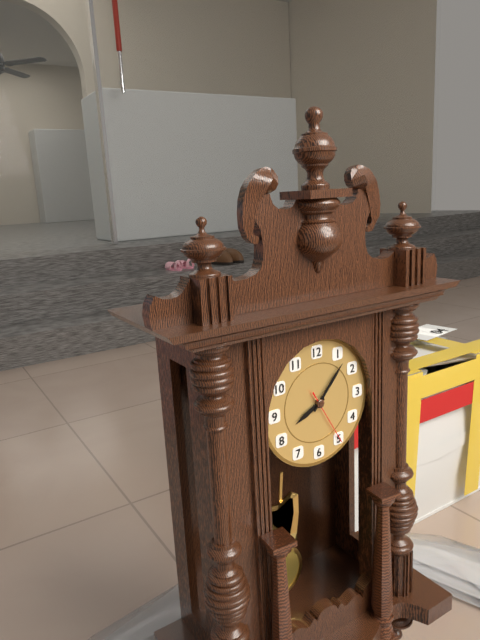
**8:07:25**
